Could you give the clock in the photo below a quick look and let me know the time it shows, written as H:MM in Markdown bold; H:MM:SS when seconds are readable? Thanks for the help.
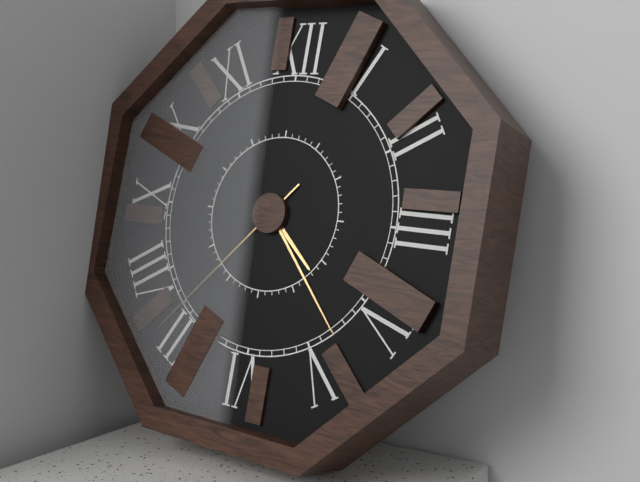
**4:23:37**
